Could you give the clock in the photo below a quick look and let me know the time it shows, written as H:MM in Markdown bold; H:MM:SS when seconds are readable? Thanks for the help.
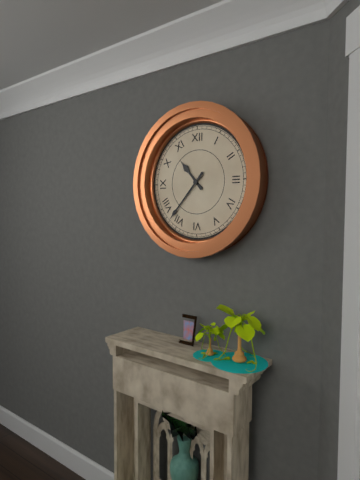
**10:37**
